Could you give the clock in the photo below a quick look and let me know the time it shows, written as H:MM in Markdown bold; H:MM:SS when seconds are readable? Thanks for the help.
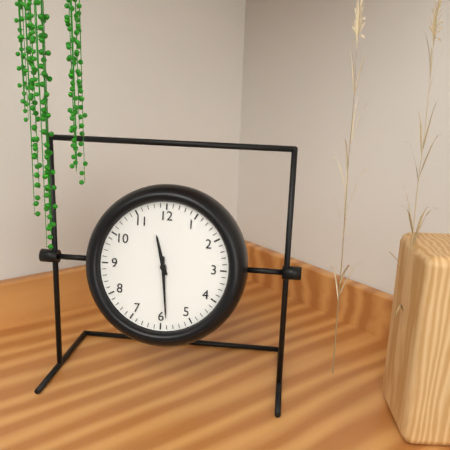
**11:29**
